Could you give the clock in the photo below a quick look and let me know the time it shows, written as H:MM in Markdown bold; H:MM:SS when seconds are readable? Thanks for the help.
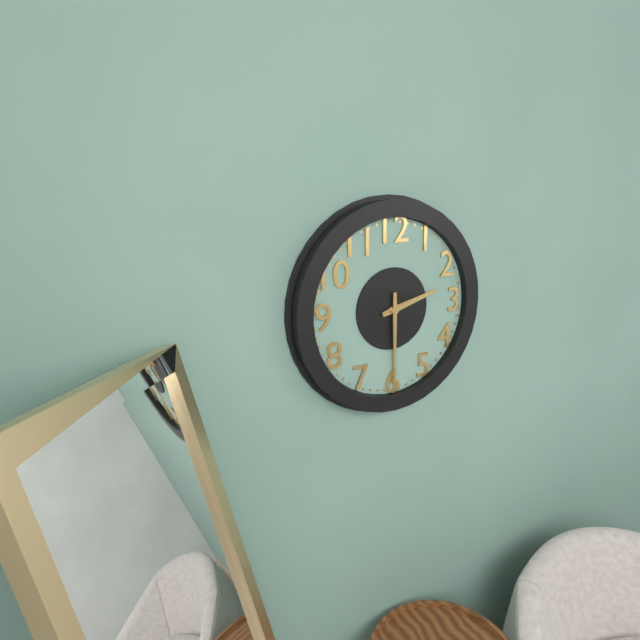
**2:30**
